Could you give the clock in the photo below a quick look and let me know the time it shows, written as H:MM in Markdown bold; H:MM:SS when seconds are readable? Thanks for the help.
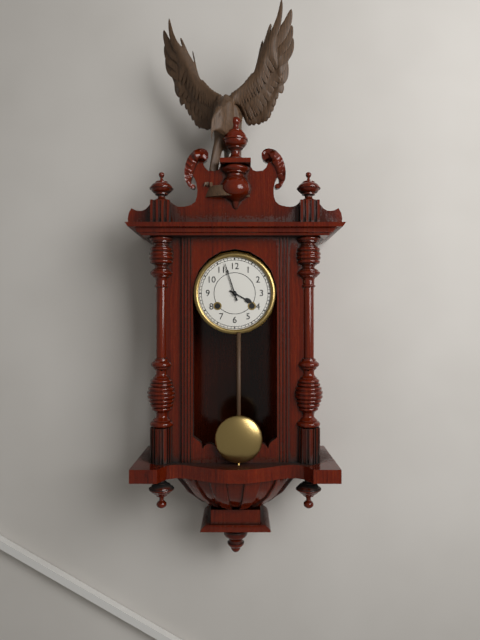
**3:57**
